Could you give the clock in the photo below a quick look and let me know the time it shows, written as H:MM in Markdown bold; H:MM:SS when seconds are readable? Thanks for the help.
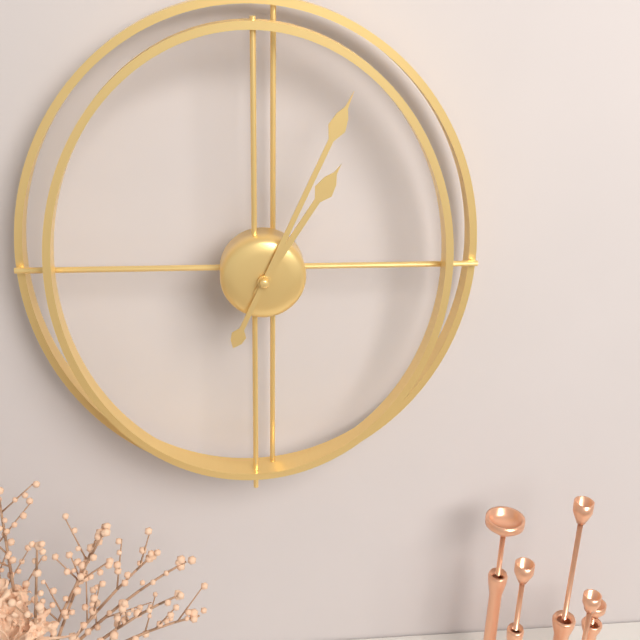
**1:04**
